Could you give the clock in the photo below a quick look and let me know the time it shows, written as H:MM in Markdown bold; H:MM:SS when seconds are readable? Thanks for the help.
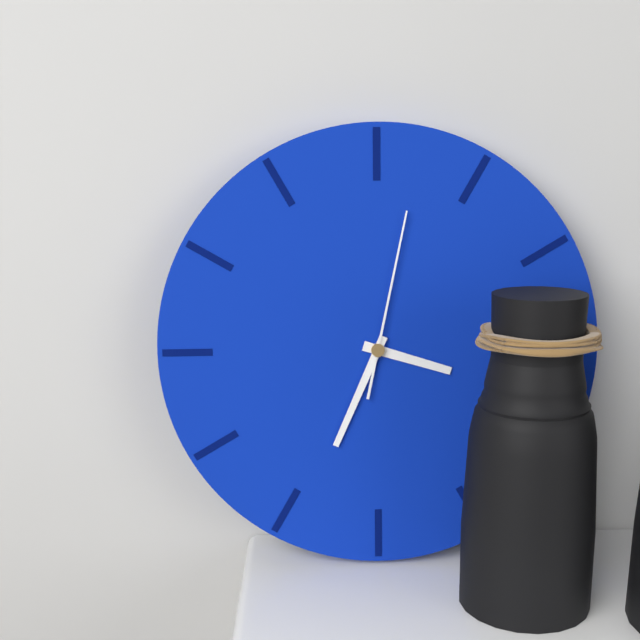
**3:34:02**
